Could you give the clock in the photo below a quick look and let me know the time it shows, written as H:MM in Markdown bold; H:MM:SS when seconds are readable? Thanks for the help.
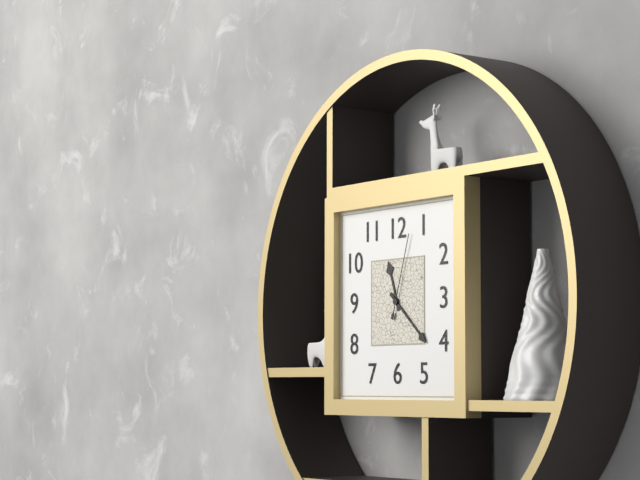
**11:22:03**
